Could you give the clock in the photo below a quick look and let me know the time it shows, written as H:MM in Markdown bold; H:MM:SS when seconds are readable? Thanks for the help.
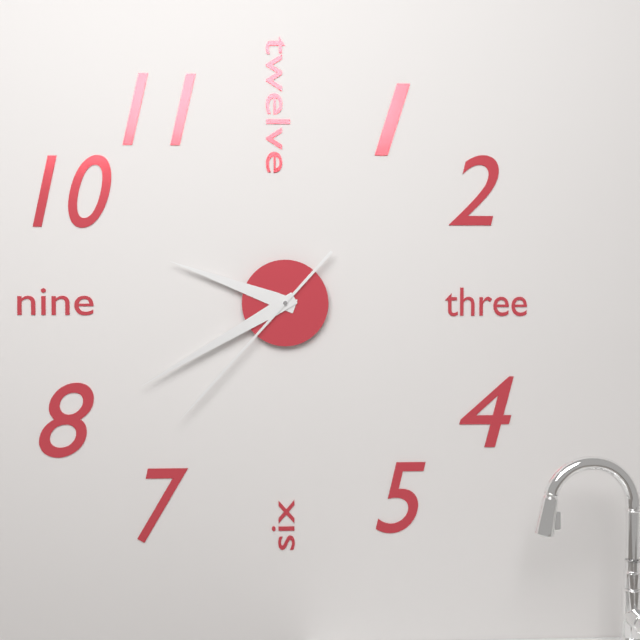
**9:40:37**
